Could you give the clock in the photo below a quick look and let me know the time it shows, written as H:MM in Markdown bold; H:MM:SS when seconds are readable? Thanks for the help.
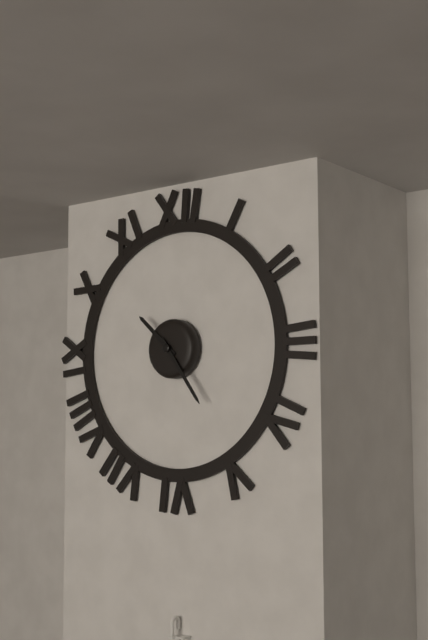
**10:24**
